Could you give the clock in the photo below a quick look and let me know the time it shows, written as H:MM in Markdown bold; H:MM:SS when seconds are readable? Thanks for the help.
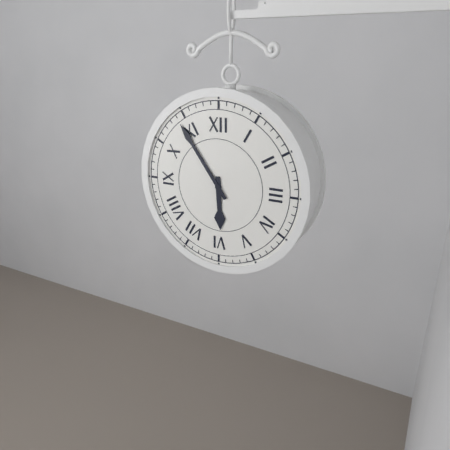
**5:54**
